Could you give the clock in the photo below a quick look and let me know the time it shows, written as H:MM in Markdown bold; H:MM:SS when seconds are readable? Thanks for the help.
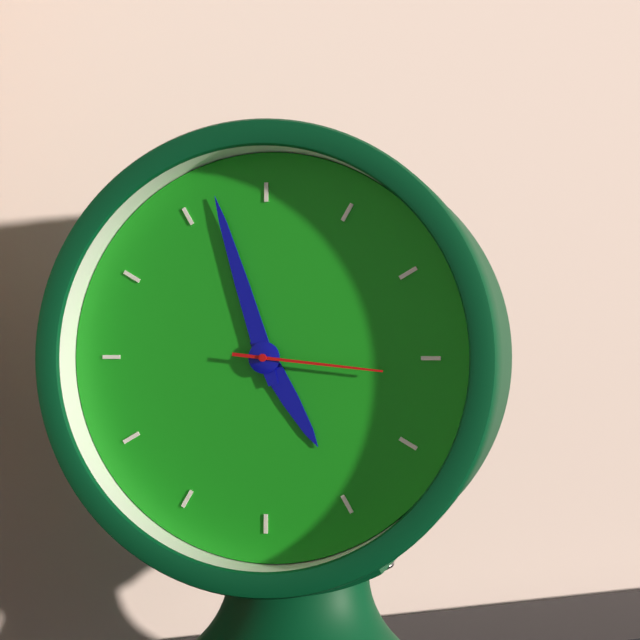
**4:57:16**
